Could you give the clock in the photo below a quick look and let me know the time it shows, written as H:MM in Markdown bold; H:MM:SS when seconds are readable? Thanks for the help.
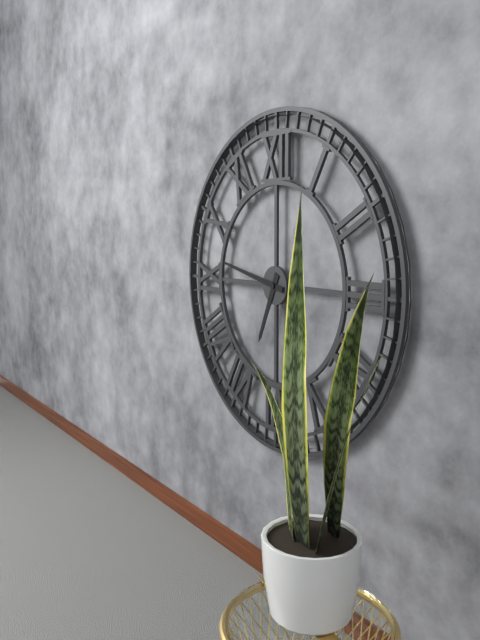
**6:47**
